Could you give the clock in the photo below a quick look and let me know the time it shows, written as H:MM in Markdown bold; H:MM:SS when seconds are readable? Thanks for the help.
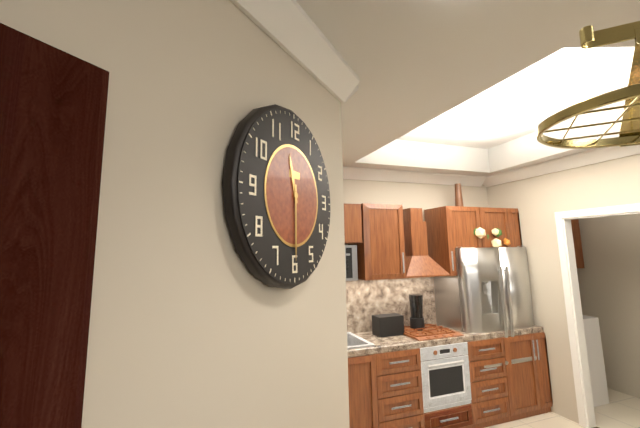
**11:30**
